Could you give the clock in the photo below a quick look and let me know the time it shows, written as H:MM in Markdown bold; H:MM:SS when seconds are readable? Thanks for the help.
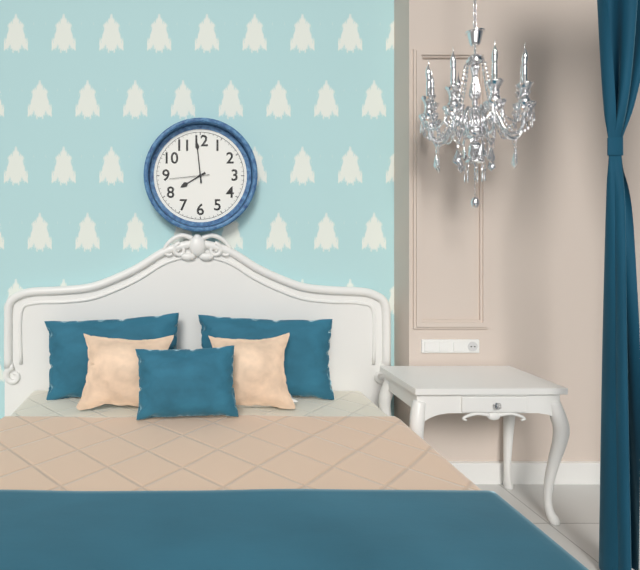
**7:59**
